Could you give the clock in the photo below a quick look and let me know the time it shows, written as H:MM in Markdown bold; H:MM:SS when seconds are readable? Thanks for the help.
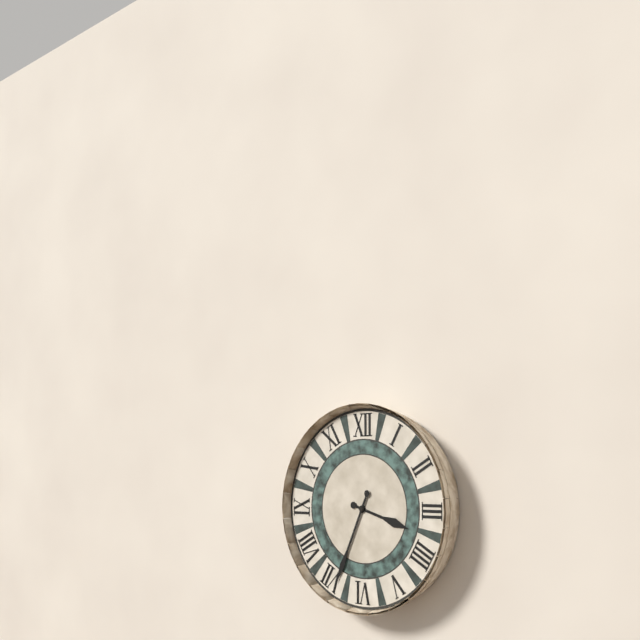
**3:34**
